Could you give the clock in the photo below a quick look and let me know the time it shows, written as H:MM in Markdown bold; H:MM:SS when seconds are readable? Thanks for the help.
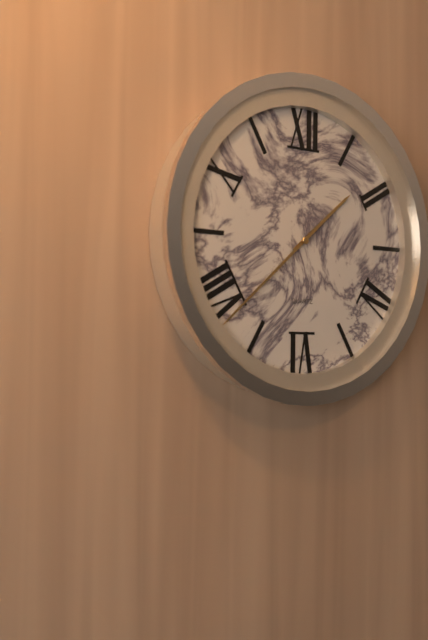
**1:38**
